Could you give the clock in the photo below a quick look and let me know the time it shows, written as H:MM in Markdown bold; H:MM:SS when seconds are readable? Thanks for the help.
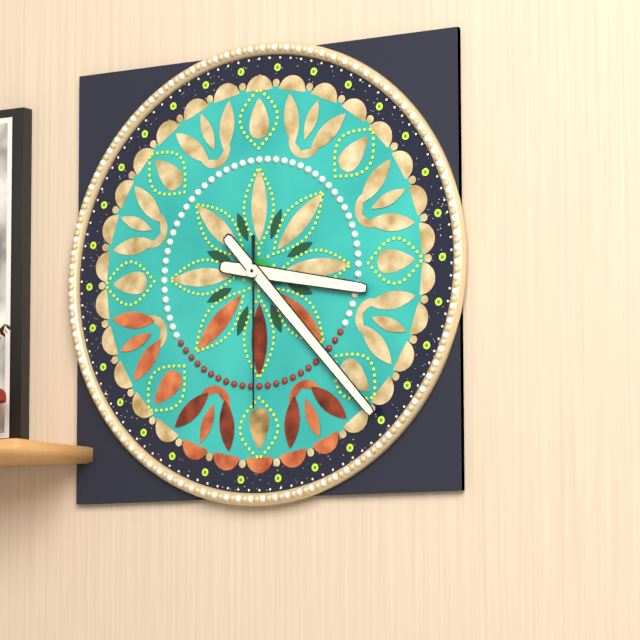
**3:23:30**
